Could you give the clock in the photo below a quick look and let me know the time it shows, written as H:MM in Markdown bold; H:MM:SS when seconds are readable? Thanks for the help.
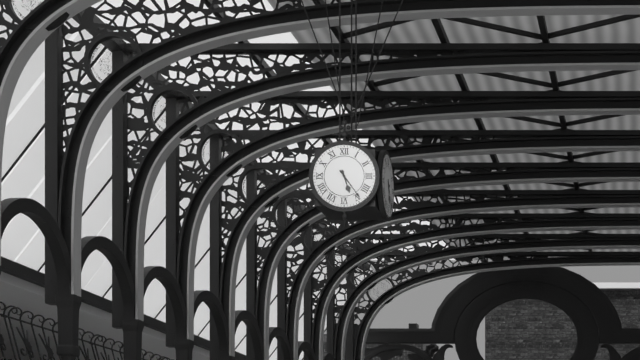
**5:24**
